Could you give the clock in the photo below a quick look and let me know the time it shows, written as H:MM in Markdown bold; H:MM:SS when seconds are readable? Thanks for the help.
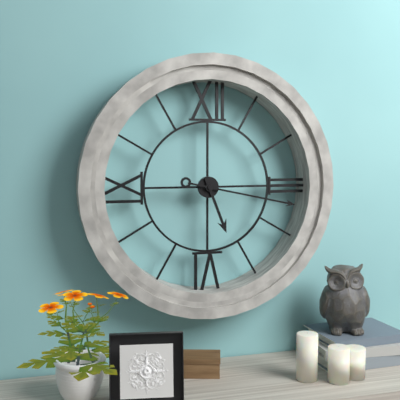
**5:17**
